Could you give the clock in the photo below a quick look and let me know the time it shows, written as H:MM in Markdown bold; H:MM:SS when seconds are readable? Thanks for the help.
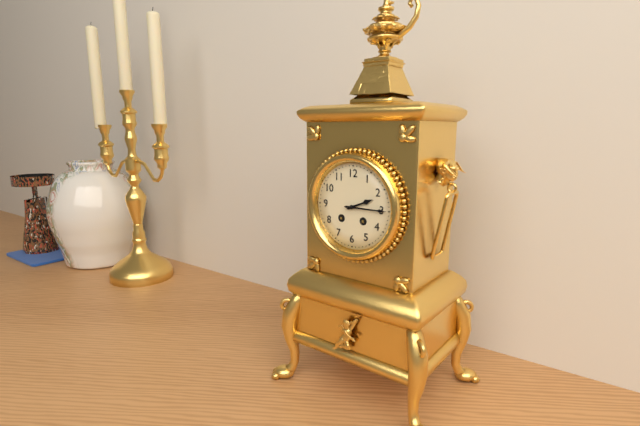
**2:15**
